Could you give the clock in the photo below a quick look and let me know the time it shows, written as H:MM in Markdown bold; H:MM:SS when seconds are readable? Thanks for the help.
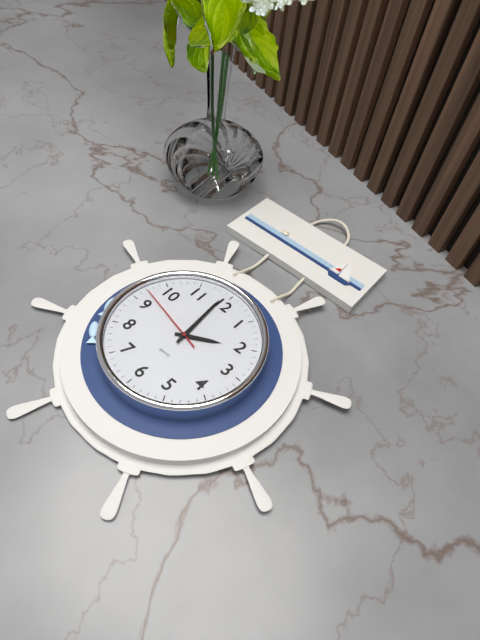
**1:59:47**
